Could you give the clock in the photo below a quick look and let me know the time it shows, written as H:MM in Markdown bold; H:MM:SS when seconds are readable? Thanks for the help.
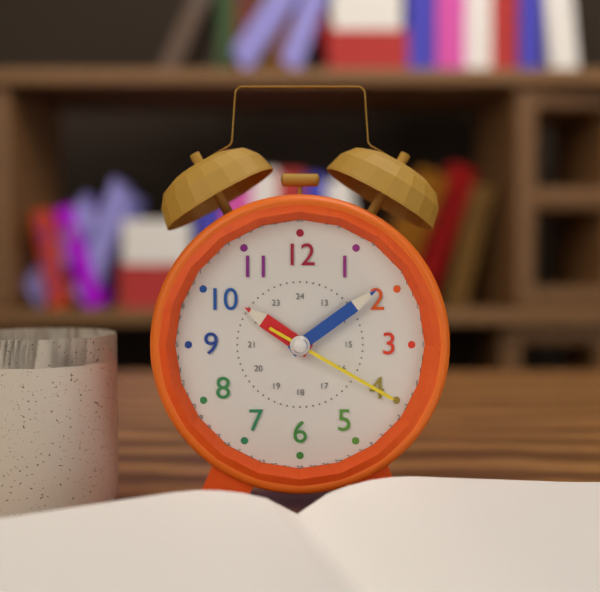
**10:09:20**
